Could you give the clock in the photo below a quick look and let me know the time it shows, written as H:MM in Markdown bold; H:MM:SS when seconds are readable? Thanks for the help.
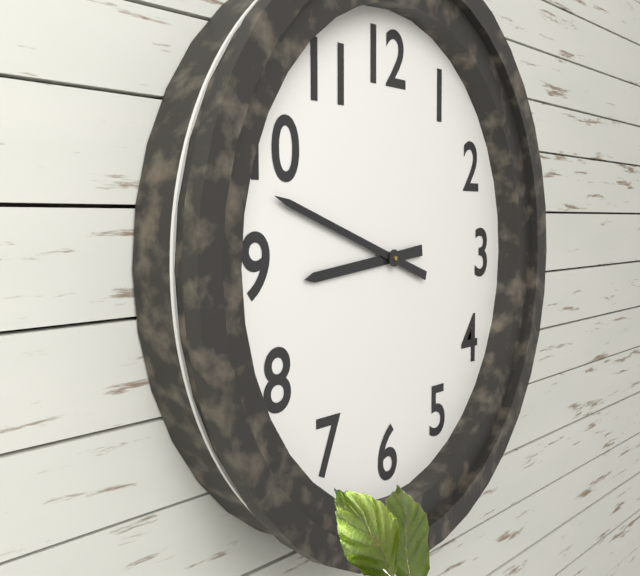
**8:48**
